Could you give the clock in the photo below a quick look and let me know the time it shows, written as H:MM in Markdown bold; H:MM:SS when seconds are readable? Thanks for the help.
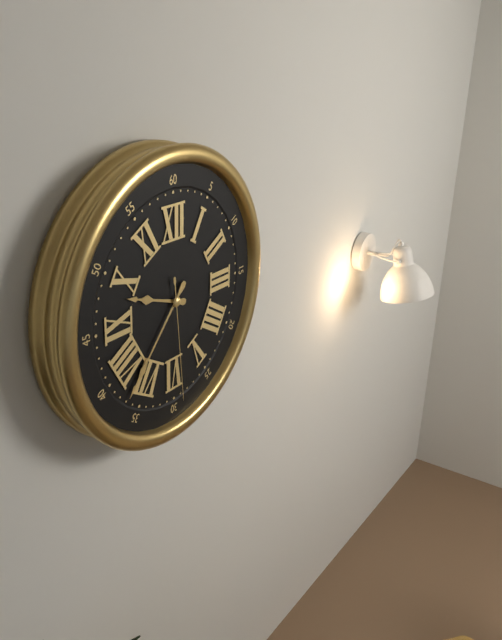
**9:37:29**
